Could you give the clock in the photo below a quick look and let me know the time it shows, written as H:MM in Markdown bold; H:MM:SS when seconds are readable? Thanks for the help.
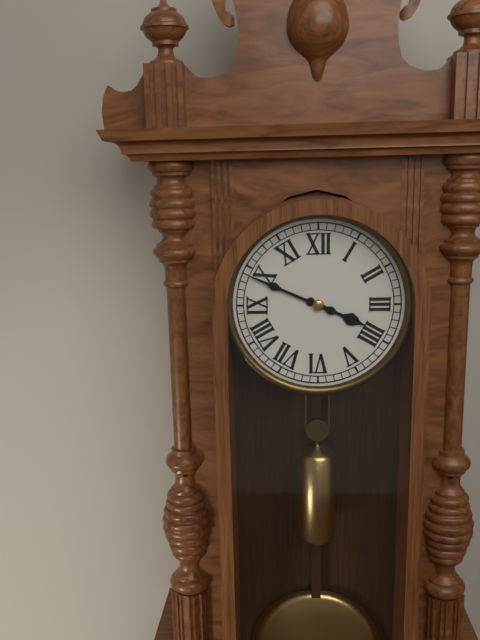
**3:49**
